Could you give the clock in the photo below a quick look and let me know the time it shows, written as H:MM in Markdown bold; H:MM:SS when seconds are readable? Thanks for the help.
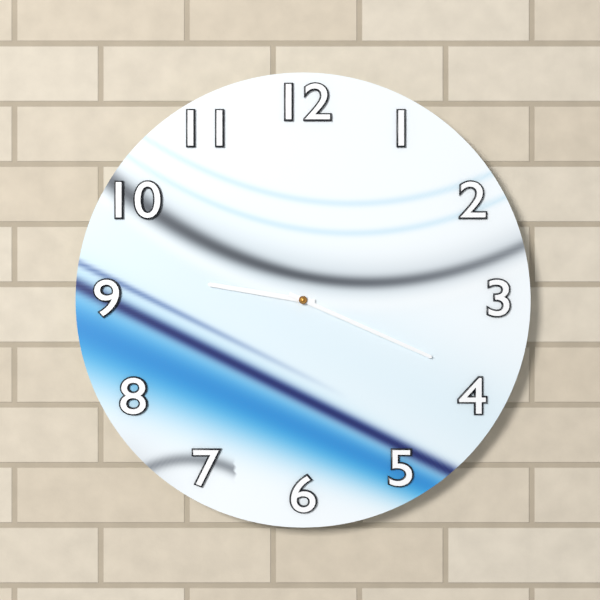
**9:19**
